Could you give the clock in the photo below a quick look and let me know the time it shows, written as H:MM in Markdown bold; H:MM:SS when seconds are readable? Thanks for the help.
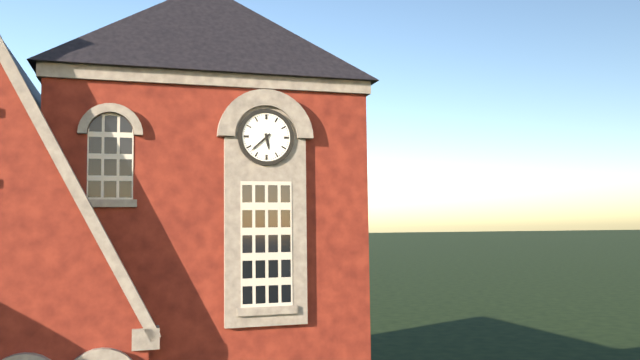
**5:38**
